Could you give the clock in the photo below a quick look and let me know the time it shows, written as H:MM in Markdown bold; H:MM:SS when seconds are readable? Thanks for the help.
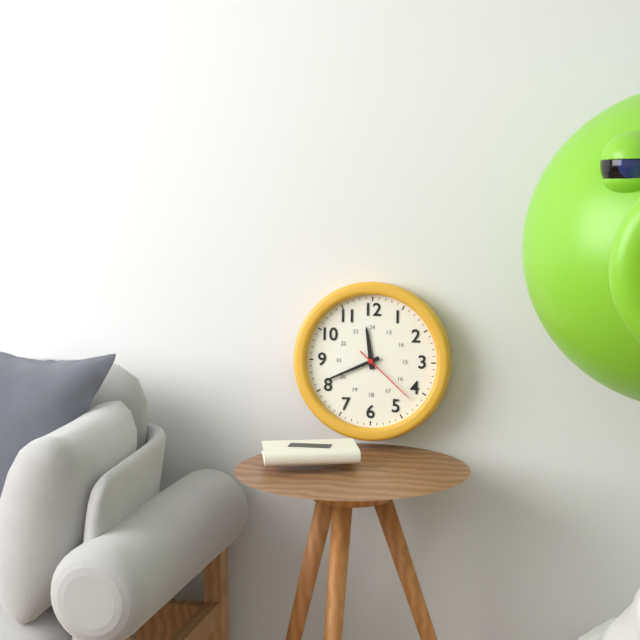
**11:41:22**
